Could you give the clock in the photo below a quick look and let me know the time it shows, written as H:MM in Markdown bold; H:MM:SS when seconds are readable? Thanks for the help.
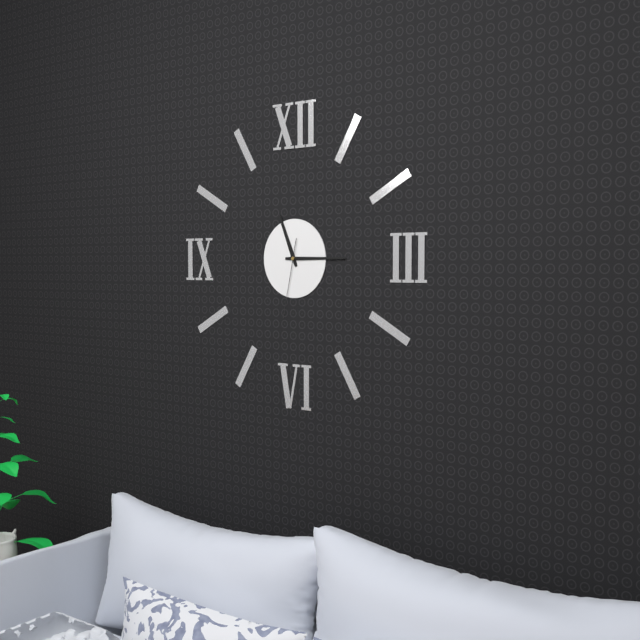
**11:15:32**
